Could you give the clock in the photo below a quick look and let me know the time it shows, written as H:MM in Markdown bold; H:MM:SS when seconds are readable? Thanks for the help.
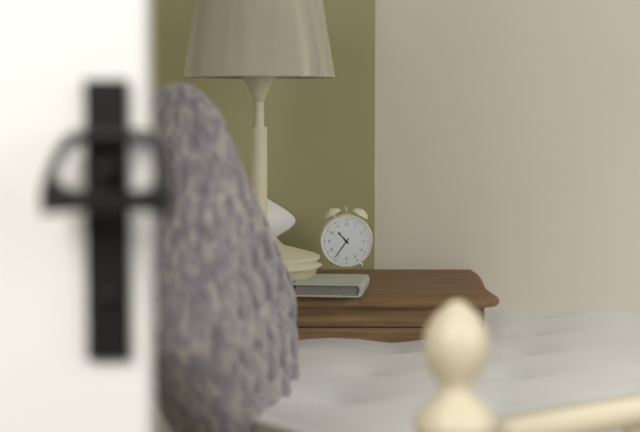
**10:36**
